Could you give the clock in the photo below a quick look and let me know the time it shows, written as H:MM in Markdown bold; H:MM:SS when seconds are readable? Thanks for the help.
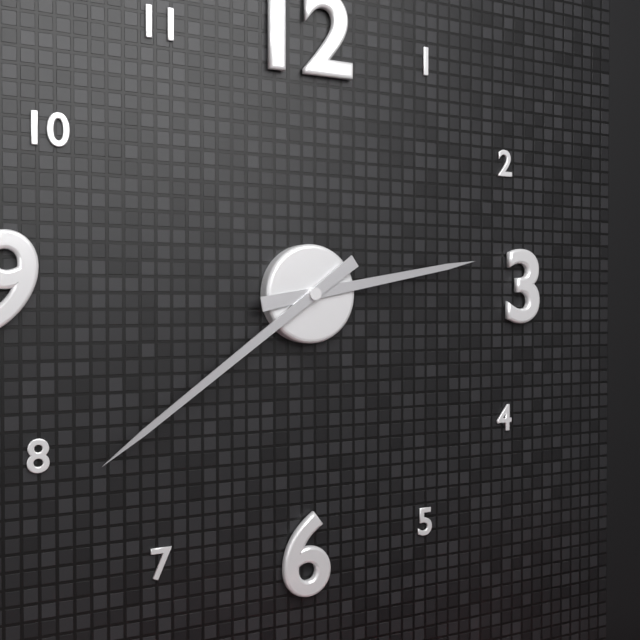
**2:39**
